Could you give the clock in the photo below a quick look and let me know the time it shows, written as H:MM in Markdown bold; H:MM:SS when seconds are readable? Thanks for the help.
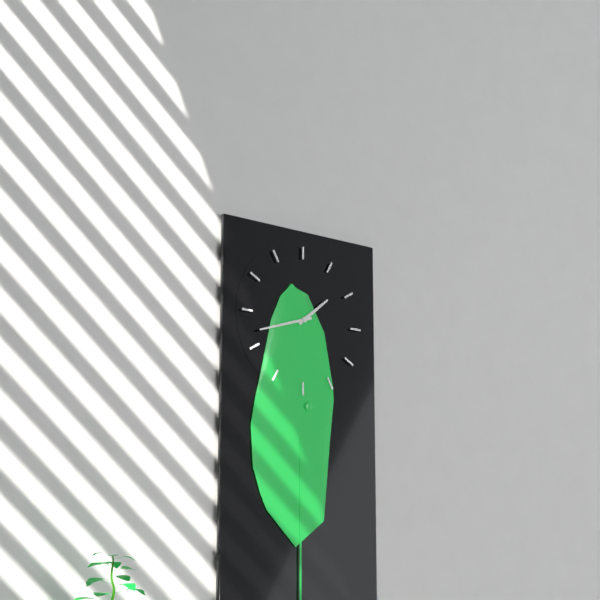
**1:42**
